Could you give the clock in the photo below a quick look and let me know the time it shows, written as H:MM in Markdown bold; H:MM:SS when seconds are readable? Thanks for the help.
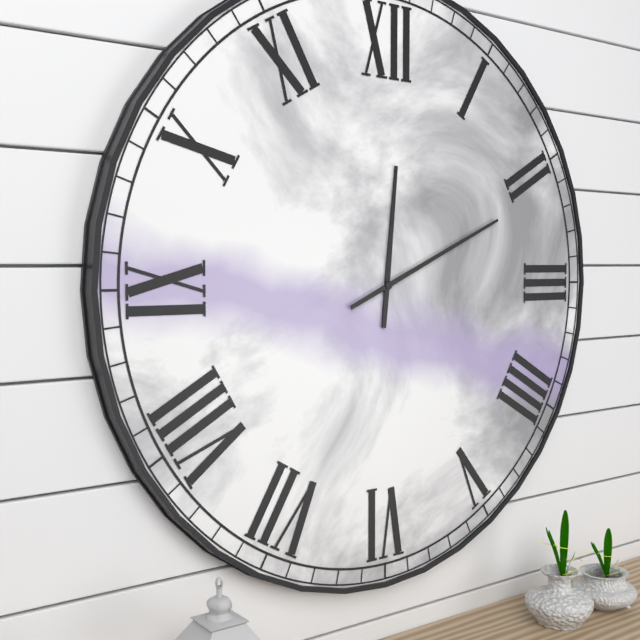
**12:11**
